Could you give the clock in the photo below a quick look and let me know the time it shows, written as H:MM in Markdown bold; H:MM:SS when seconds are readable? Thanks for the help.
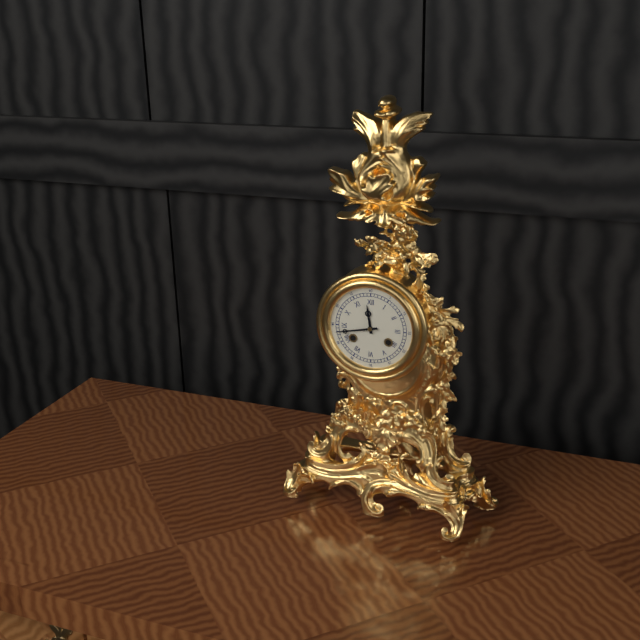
**11:43**
